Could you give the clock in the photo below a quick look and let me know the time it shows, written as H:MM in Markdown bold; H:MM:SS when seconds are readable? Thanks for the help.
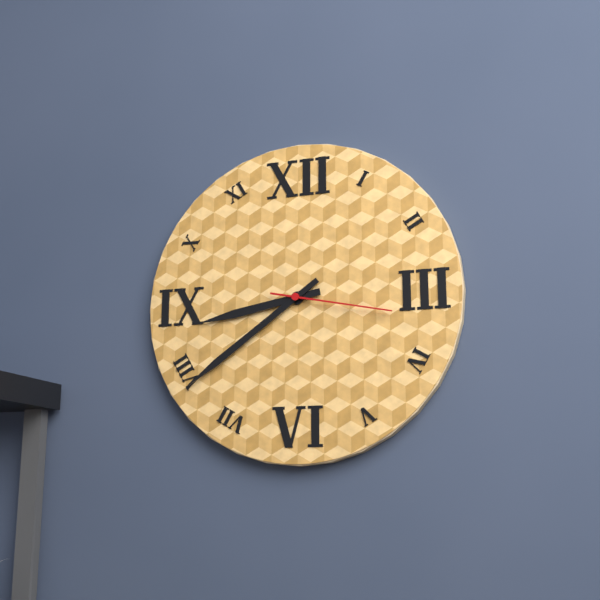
**8:39:17**
